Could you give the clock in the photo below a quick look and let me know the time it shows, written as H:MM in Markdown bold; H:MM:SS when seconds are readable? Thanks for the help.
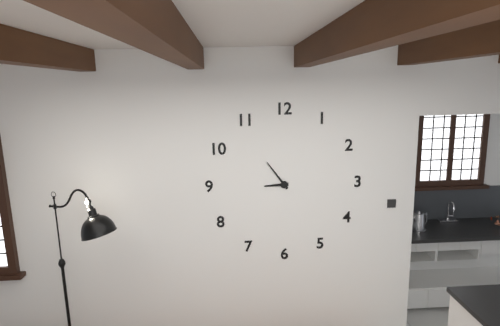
**8:54**
